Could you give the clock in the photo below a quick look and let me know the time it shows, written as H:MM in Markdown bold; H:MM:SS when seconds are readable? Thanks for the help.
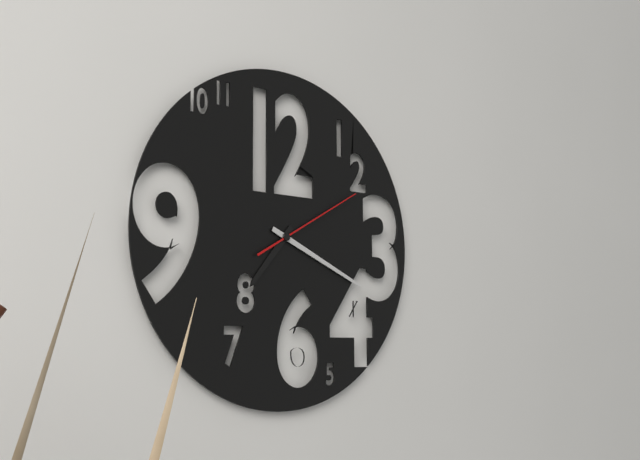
**7:19:10**
